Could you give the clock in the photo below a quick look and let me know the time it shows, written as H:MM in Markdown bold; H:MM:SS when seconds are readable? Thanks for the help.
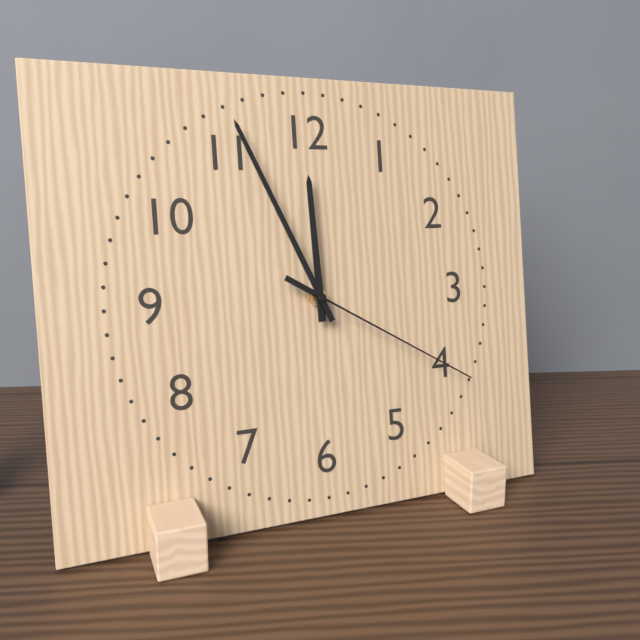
**11:56:20**
